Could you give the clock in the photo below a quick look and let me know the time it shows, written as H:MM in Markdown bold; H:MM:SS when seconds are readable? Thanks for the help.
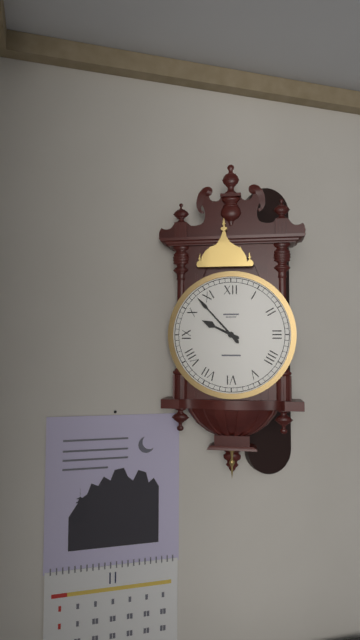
**9:53**
